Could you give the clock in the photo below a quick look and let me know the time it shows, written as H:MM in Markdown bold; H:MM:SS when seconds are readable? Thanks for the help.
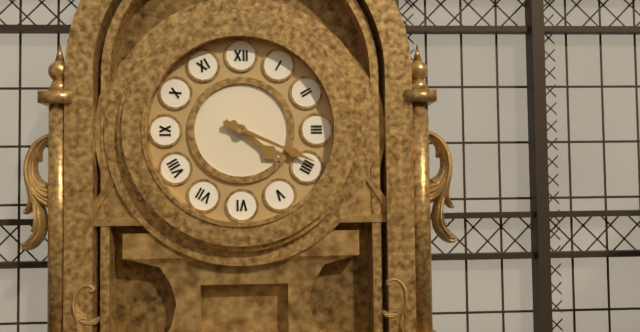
**4:19**
